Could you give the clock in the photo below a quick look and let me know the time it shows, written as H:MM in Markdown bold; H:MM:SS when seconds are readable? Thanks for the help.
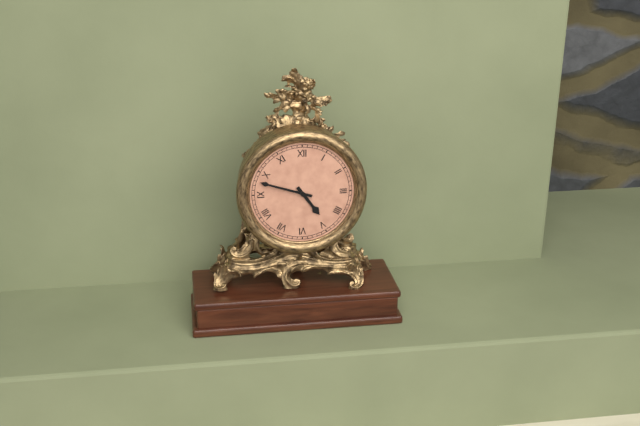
**4:48**
